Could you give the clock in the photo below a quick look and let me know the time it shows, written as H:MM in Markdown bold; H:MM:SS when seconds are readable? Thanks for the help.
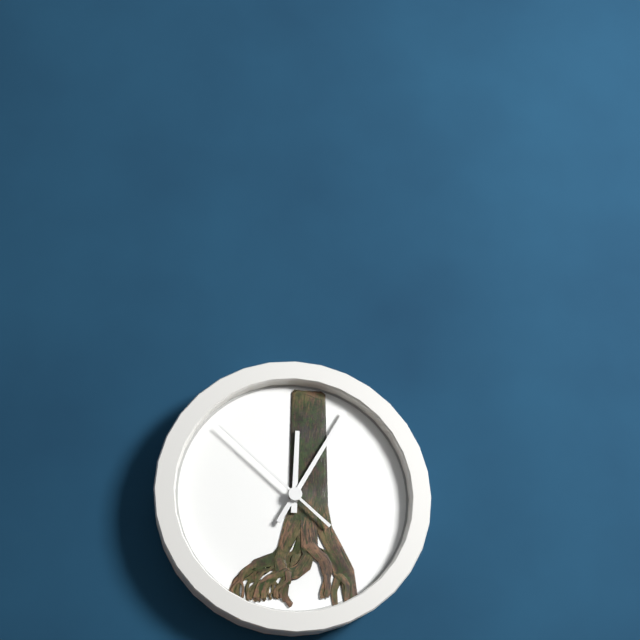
**12:05:52**
